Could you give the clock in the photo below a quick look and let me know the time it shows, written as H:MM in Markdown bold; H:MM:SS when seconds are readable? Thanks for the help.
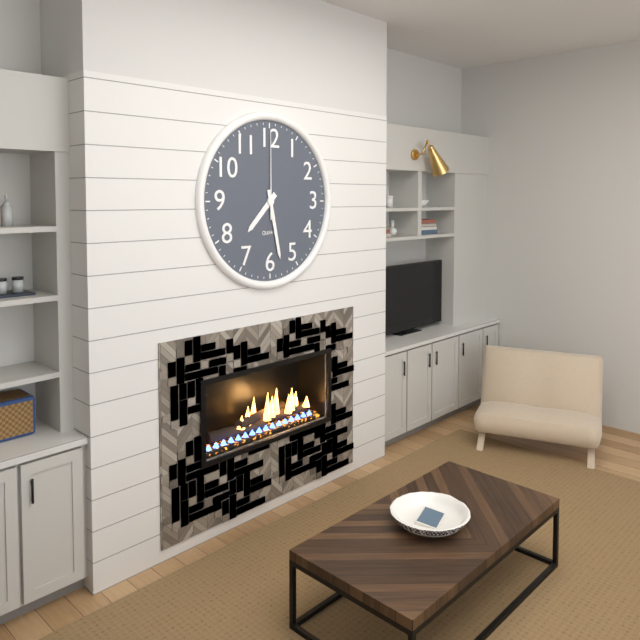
**7:28:00**
